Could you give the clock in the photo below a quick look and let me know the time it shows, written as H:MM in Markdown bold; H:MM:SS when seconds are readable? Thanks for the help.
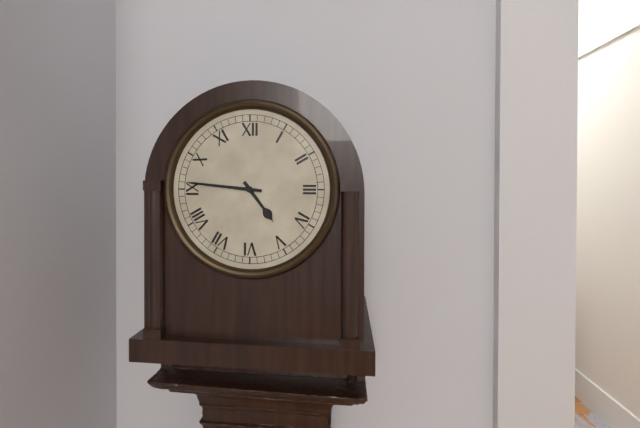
**4:46**
